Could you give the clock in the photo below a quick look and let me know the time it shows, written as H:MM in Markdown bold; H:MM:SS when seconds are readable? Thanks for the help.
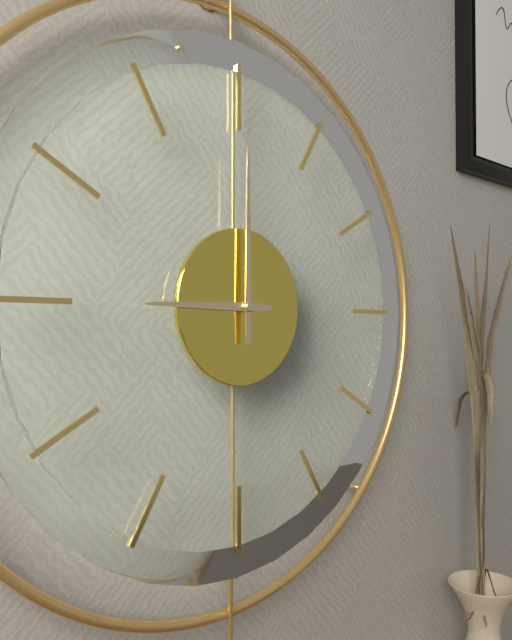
**9:00**
